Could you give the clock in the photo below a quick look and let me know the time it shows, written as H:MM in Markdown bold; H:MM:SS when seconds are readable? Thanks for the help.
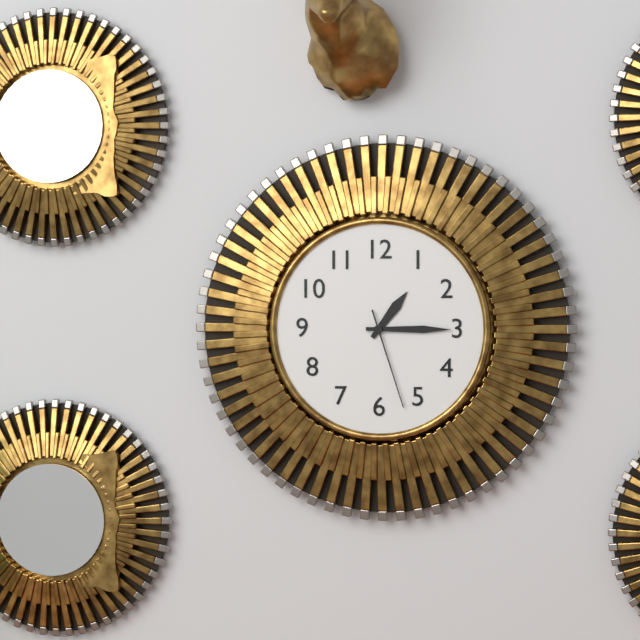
**1:15:27**
